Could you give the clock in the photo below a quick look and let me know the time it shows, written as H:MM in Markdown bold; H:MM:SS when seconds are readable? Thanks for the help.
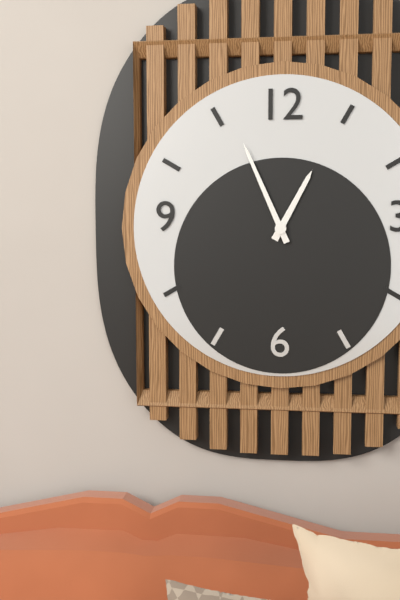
**12:56**
